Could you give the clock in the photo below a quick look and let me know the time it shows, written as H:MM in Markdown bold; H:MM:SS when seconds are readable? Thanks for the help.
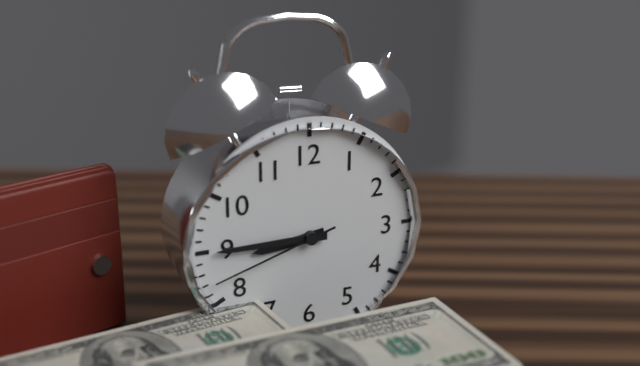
**8:45:42**
